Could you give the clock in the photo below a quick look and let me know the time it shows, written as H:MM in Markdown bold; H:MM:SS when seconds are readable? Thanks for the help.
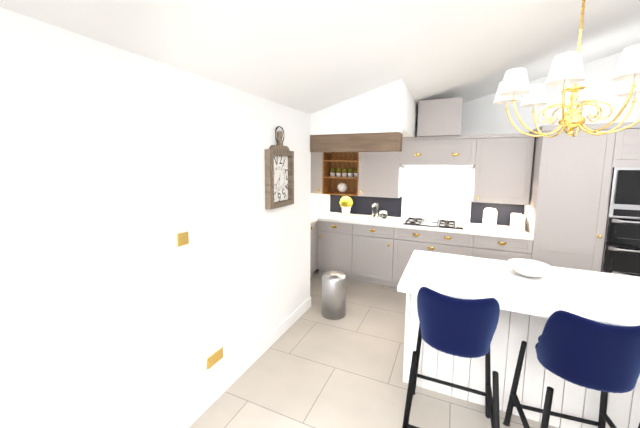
**7:32**
